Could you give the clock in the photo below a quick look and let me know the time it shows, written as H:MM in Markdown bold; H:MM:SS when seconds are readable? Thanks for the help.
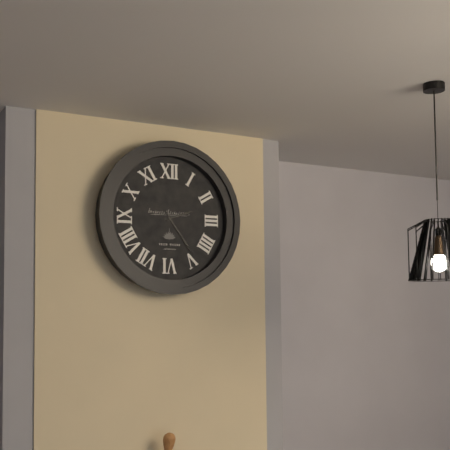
**2:24**
